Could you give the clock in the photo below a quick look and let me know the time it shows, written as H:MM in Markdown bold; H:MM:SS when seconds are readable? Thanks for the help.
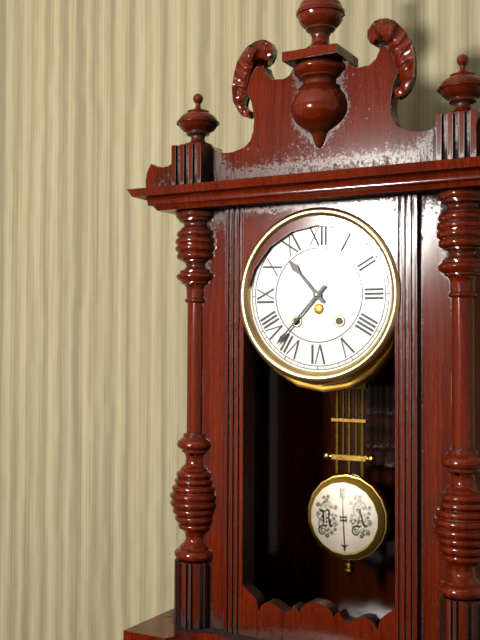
**10:37**
